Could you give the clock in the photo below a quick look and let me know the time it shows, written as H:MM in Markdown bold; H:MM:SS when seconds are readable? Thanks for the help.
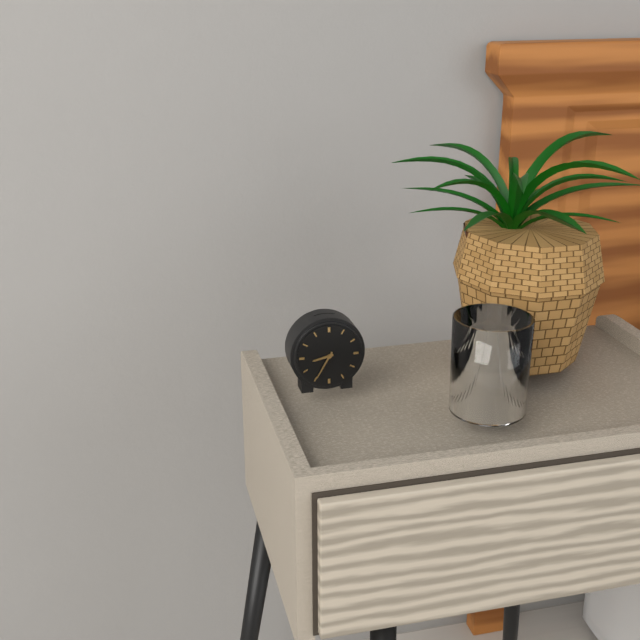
**8:35**
